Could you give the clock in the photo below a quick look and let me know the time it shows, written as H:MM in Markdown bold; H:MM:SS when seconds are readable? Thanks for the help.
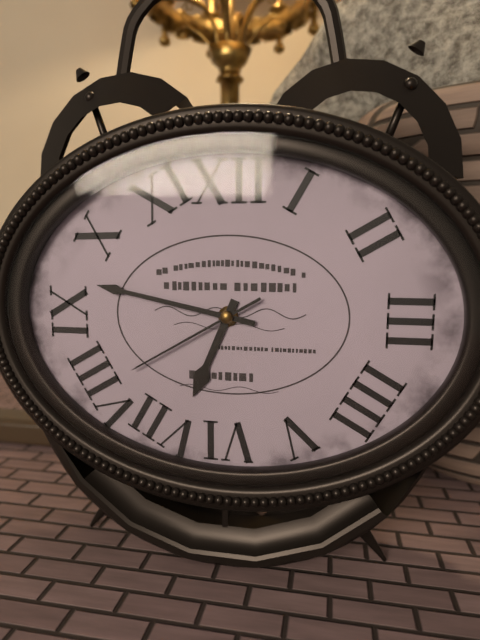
**6:47:40**
